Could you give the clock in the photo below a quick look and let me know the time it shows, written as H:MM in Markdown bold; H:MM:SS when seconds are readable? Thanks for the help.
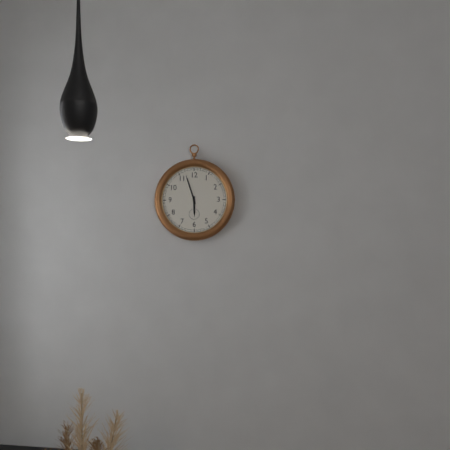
**5:57**
